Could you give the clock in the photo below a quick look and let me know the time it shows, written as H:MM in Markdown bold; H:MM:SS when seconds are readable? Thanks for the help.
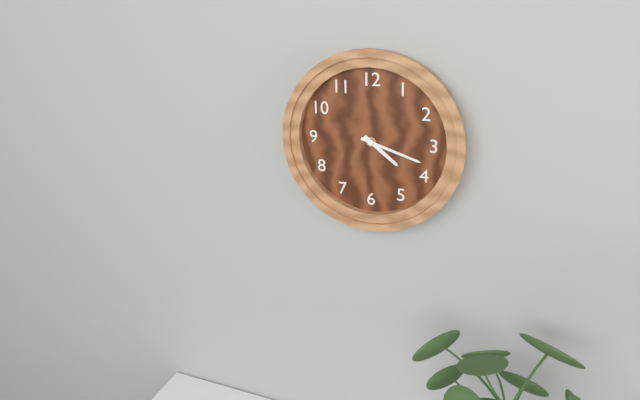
**4:18**
